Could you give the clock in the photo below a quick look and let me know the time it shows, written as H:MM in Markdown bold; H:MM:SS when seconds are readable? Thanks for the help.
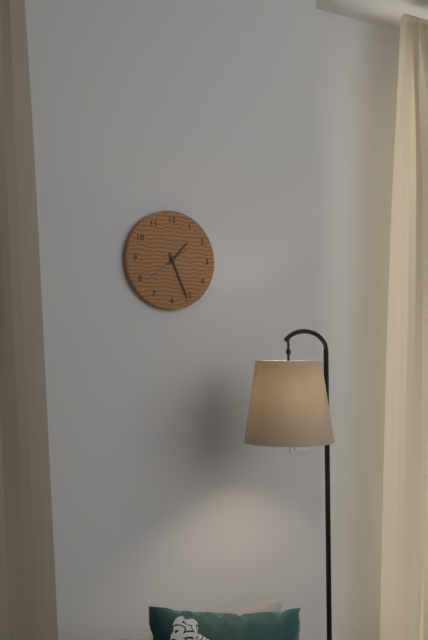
**1:26**
